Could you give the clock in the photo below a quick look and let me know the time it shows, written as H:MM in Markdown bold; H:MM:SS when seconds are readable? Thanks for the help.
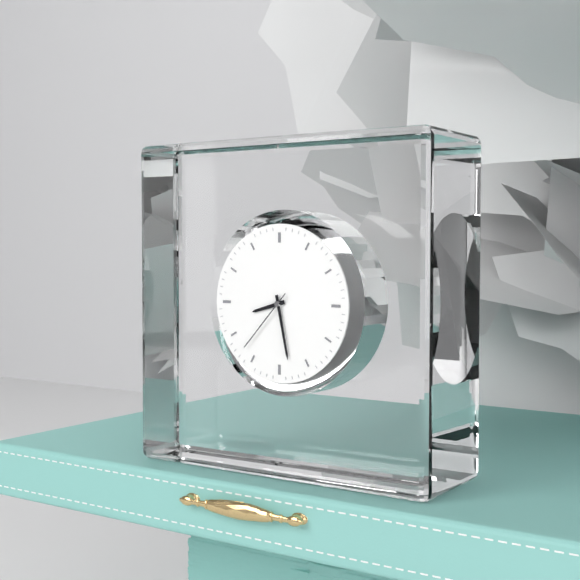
**8:28:37**
